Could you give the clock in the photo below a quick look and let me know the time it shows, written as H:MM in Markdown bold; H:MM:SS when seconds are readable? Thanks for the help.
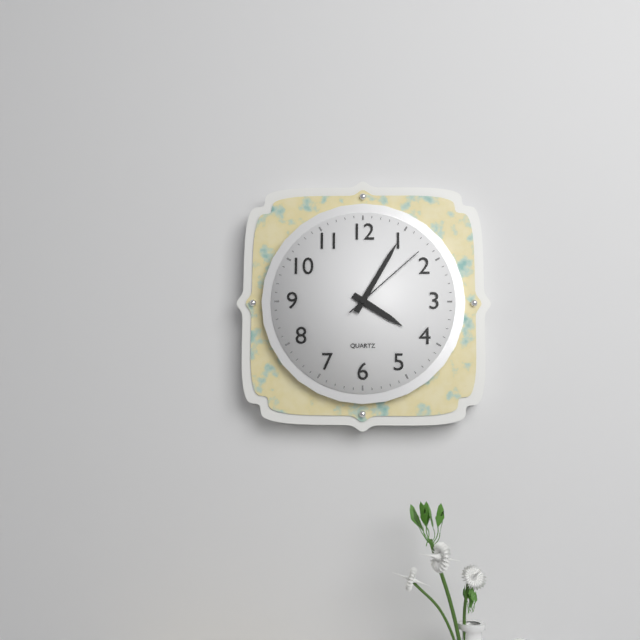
**4:05:08**
